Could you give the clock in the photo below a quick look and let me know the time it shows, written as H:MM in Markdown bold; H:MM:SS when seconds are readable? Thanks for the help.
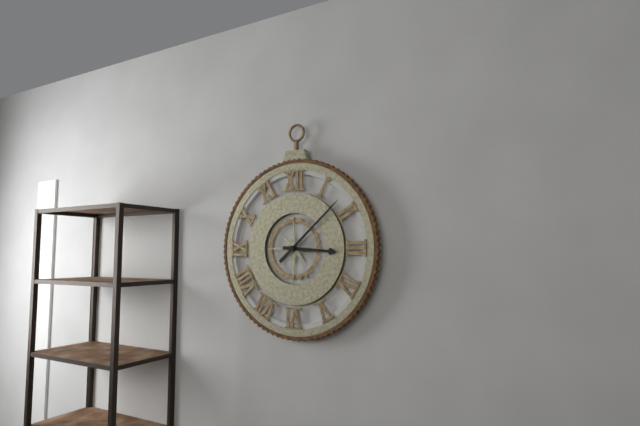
**3:08**
